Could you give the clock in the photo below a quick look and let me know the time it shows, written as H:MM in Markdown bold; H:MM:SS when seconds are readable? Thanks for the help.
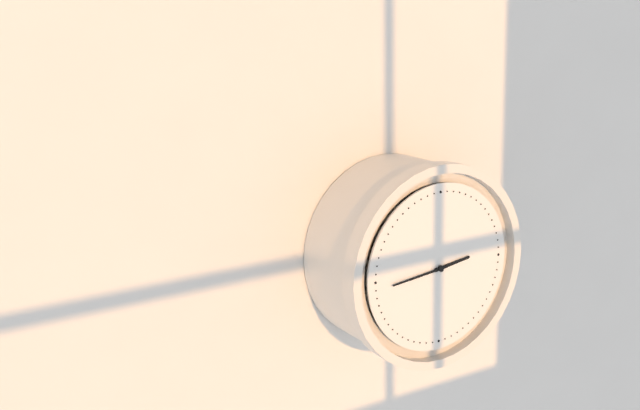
**2:44**
